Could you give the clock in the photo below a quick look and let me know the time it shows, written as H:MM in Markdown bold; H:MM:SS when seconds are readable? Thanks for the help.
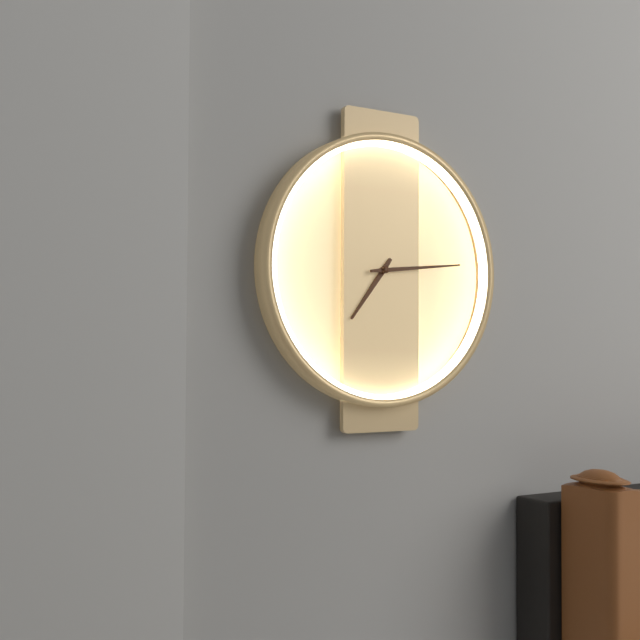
**7:14**
